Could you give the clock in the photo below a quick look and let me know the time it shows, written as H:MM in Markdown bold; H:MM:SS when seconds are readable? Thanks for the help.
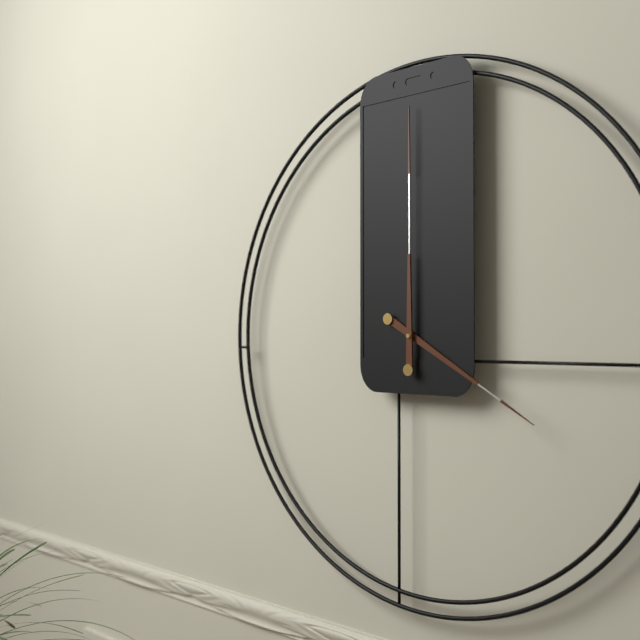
**4:00**
